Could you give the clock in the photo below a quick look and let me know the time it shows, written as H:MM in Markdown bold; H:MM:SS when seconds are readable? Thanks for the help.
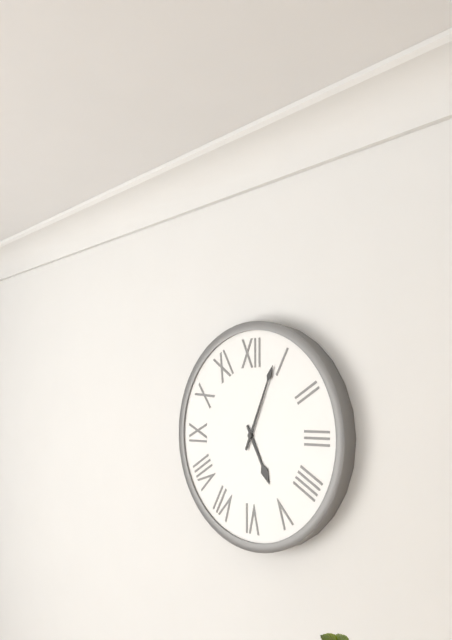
**5:04**
